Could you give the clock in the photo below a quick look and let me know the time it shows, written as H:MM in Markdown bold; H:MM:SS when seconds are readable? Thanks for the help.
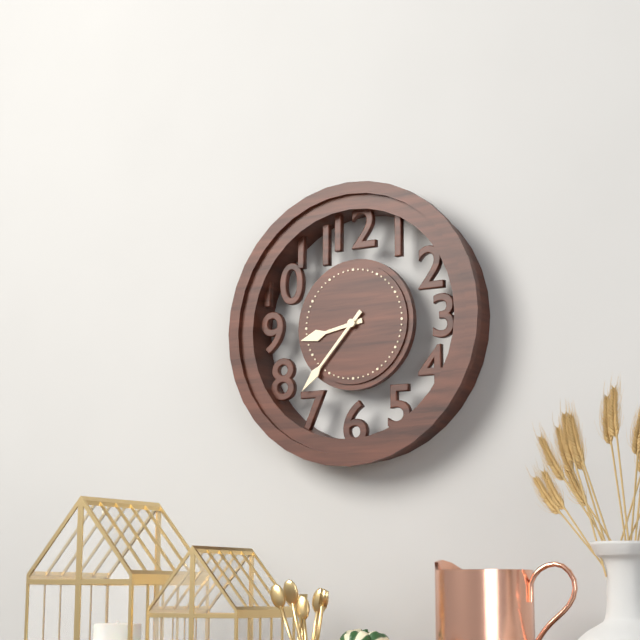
**8:37**
